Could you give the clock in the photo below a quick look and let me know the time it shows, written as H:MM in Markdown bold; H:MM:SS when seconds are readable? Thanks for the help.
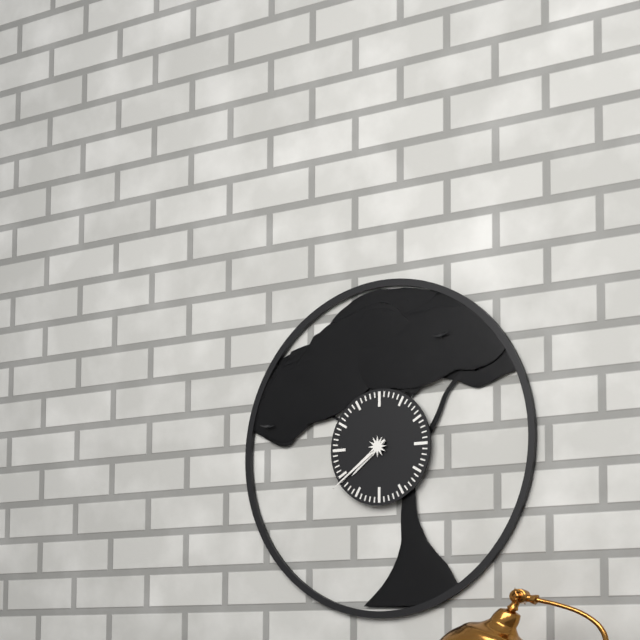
**7:39**
